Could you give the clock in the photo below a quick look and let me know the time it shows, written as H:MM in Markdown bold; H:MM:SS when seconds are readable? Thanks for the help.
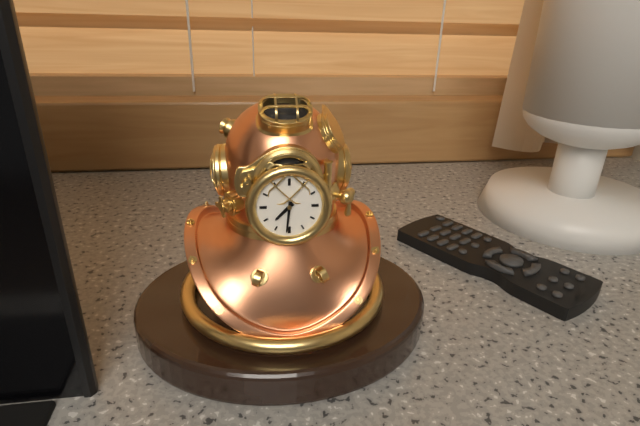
**7:31**
